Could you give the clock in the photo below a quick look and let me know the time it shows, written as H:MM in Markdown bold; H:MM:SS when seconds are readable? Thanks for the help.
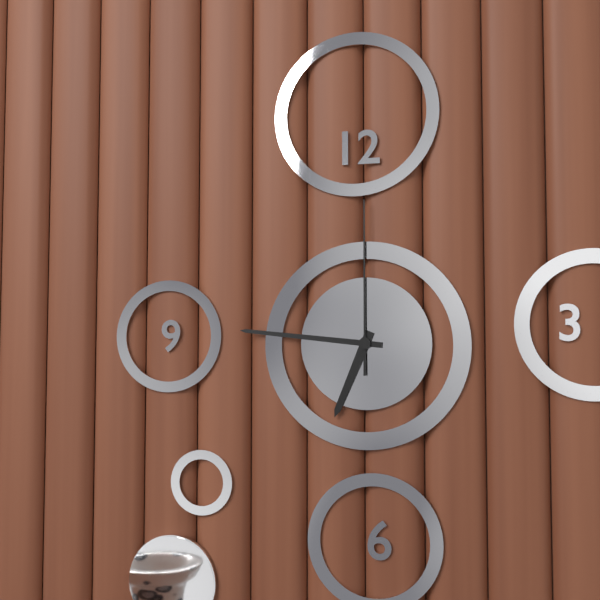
**6:46:00**
